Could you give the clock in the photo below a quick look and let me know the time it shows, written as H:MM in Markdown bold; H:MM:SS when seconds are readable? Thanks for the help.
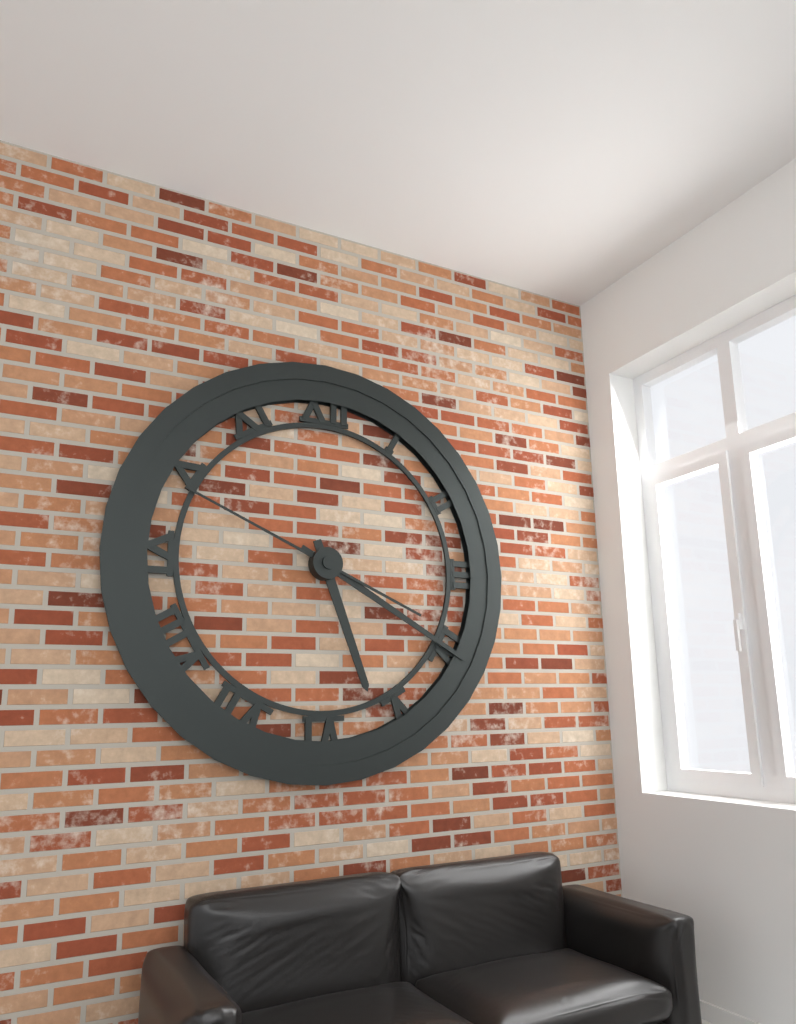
**5:20:49**
